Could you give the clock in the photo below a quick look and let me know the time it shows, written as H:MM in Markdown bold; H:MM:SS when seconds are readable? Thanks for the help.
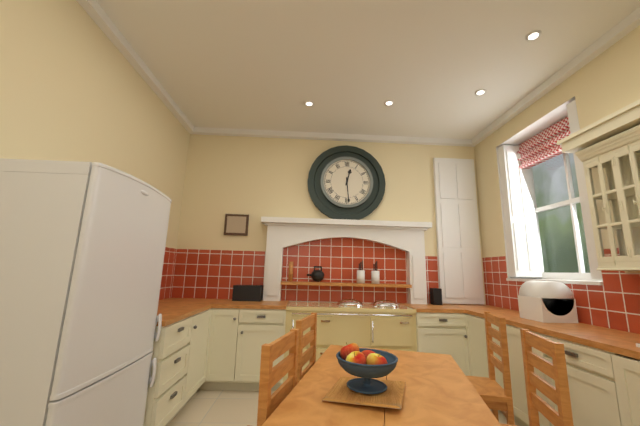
**12:29**
